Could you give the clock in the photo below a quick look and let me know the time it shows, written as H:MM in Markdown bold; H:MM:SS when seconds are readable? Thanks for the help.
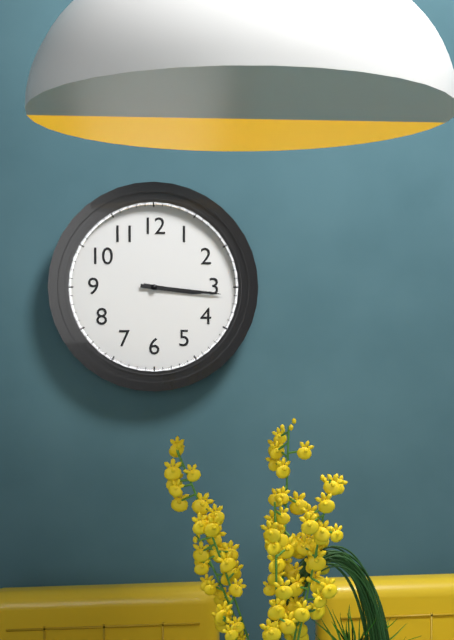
**3:16**
